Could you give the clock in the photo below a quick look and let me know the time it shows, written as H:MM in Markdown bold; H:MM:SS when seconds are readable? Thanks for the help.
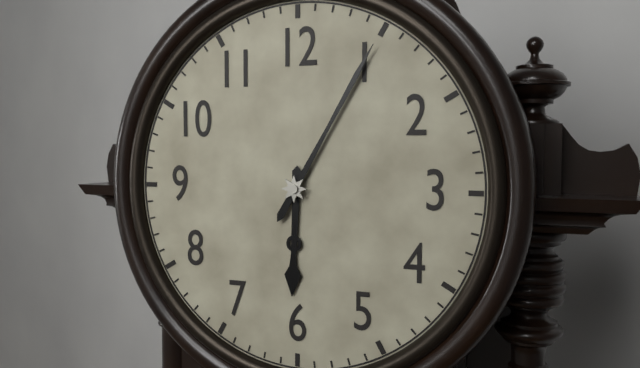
**6:05**
